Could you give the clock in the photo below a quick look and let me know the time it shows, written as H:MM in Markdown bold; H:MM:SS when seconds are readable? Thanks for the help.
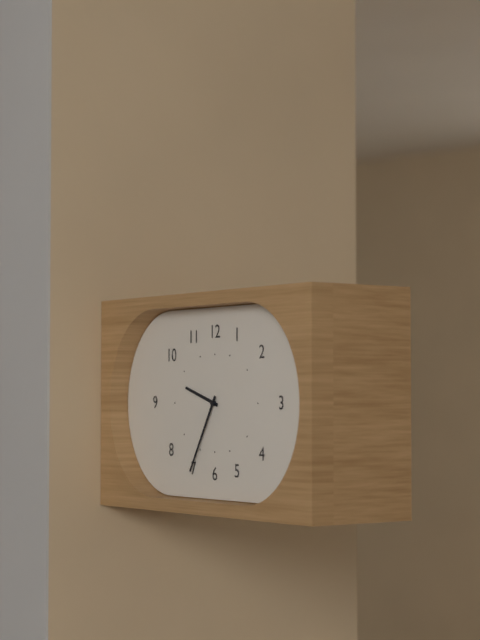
**9:35**
